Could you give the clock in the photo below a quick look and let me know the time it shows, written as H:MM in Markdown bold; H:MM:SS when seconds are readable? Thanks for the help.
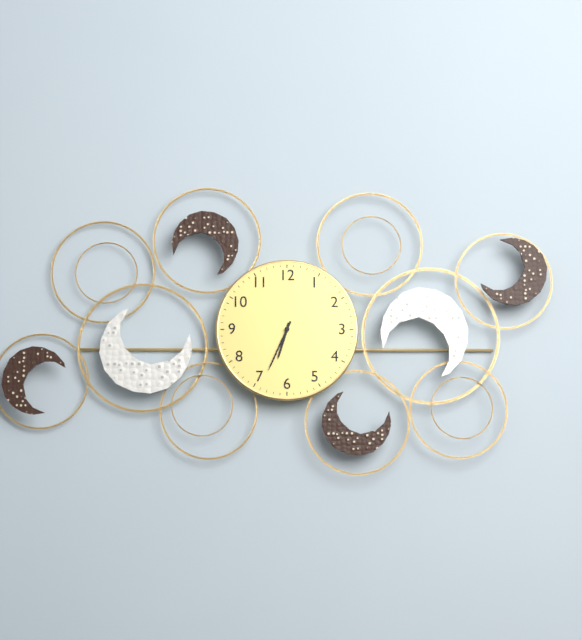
**6:34**
